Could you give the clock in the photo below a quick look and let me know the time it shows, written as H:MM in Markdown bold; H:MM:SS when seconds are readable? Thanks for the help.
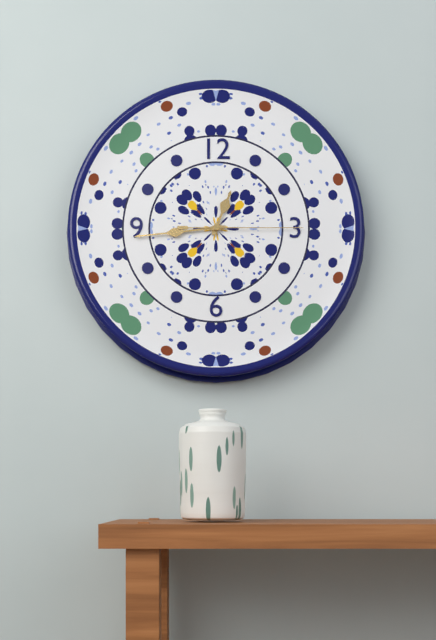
**12:44:15**
